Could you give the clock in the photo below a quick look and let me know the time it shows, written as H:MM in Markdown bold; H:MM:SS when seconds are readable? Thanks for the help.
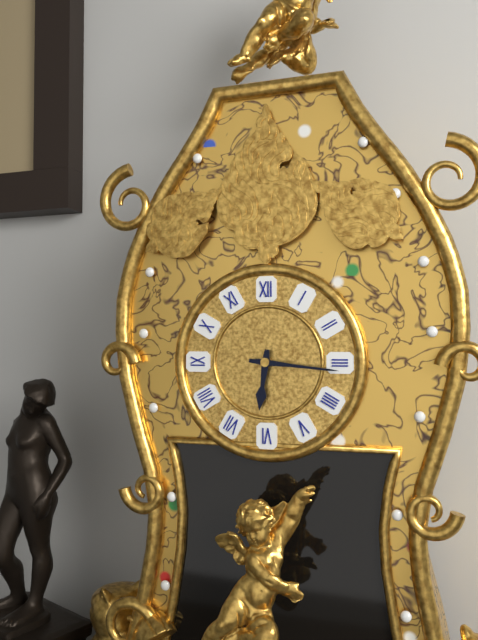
**6:16**
